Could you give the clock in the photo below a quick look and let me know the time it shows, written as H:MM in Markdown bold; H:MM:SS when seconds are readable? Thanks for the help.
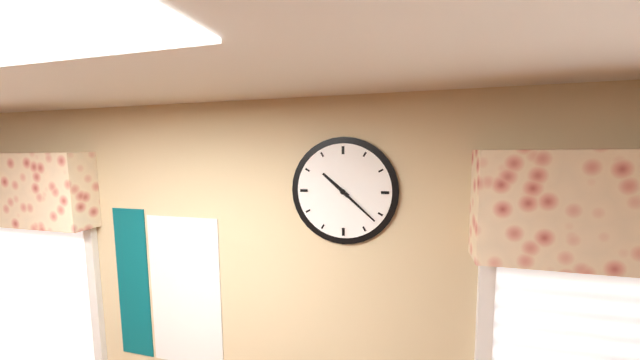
**10:22**
